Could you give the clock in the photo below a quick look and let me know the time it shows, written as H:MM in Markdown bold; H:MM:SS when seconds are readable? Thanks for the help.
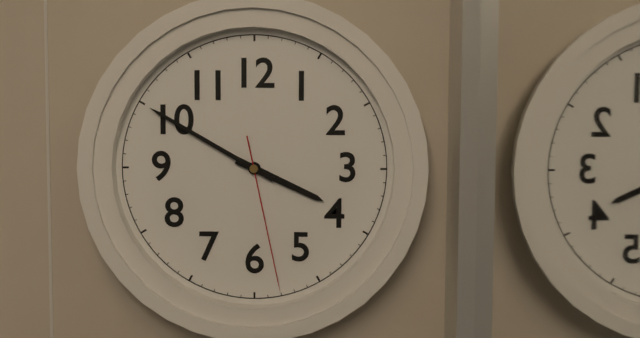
**3:50:28**
